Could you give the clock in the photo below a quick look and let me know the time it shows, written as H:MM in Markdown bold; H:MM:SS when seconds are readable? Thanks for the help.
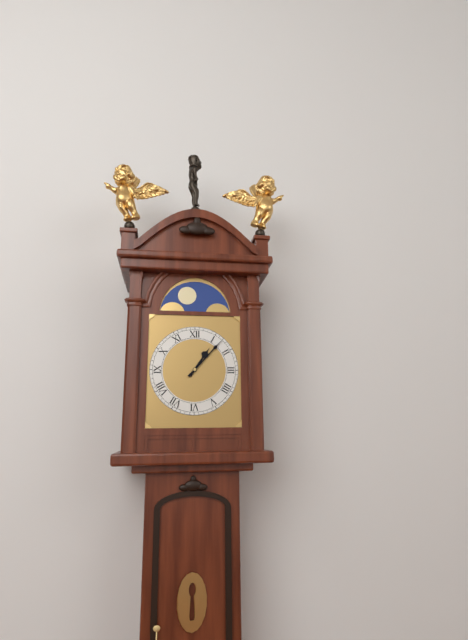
**1:07**
